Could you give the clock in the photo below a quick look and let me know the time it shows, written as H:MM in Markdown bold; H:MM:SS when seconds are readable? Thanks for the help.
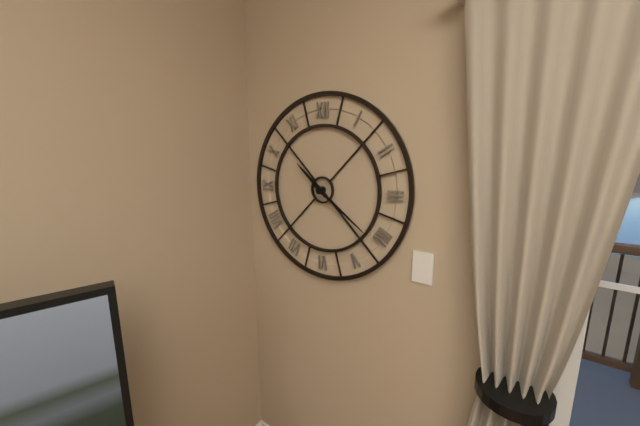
**10:21**
